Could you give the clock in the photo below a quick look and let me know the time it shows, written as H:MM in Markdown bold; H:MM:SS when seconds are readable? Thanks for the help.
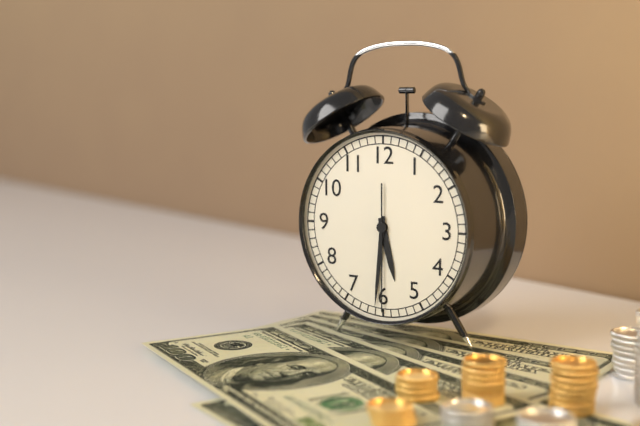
**5:31:30**
